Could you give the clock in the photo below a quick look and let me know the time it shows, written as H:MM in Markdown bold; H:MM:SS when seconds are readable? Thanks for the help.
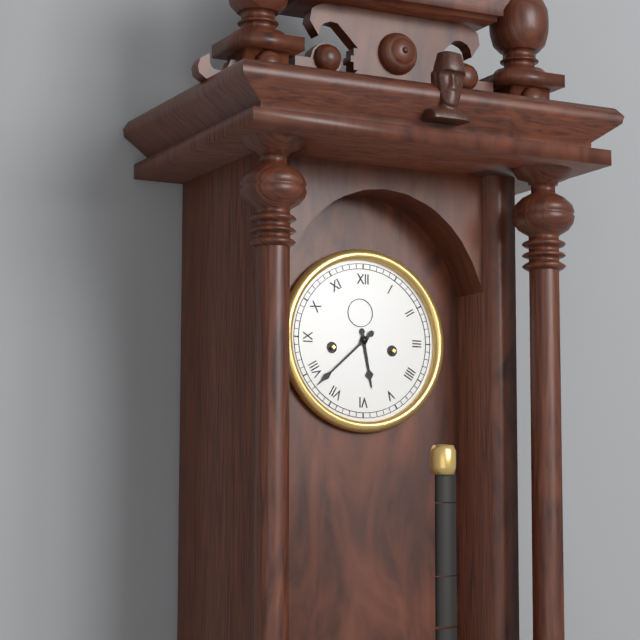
**5:38**
